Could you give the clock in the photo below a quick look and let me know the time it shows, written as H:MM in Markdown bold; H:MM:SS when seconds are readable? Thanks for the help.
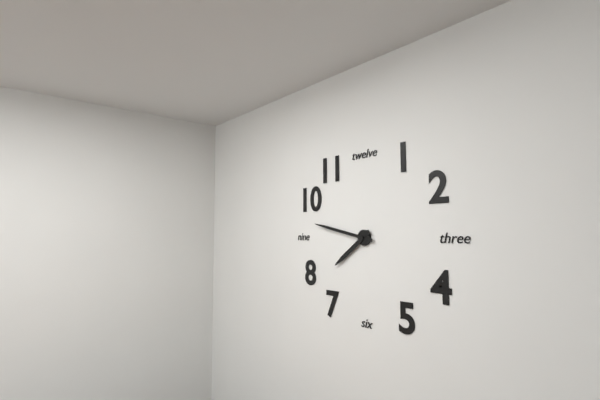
**7:47**
